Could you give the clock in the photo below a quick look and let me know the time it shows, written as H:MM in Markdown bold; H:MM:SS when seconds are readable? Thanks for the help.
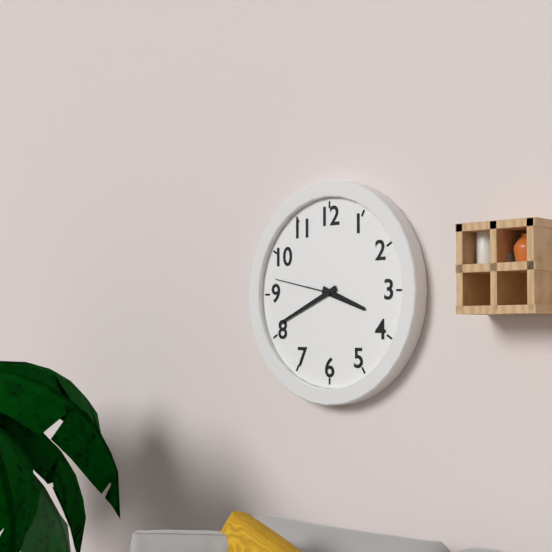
**3:41:47**
